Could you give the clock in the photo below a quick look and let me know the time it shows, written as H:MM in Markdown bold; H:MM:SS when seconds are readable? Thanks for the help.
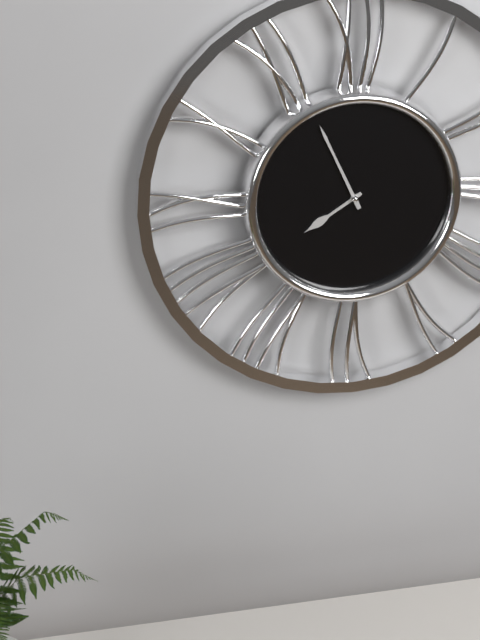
**7:56**
